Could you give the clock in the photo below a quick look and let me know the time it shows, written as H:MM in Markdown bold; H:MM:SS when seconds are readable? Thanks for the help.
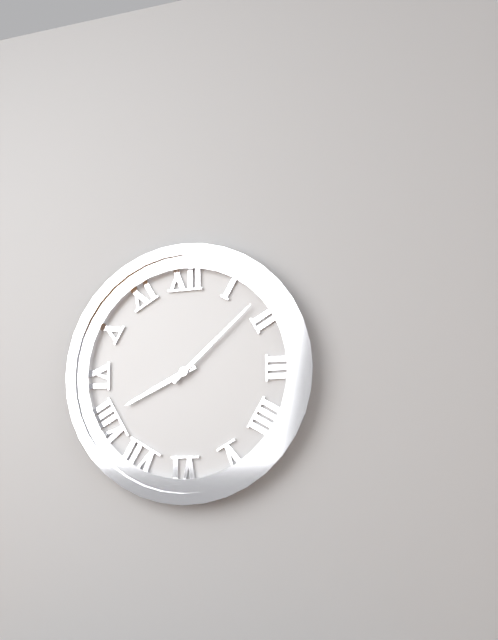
**8:08**
